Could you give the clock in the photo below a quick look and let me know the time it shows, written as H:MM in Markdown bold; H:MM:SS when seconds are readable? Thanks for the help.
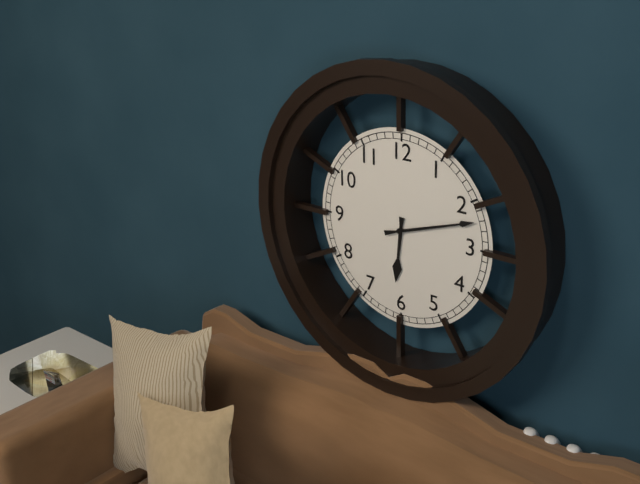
**6:12**
